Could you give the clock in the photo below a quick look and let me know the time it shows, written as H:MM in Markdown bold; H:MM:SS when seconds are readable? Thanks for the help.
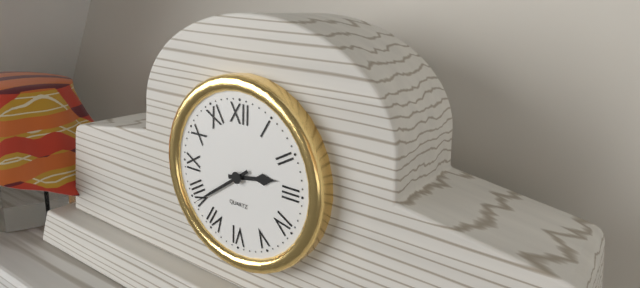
**2:39**
